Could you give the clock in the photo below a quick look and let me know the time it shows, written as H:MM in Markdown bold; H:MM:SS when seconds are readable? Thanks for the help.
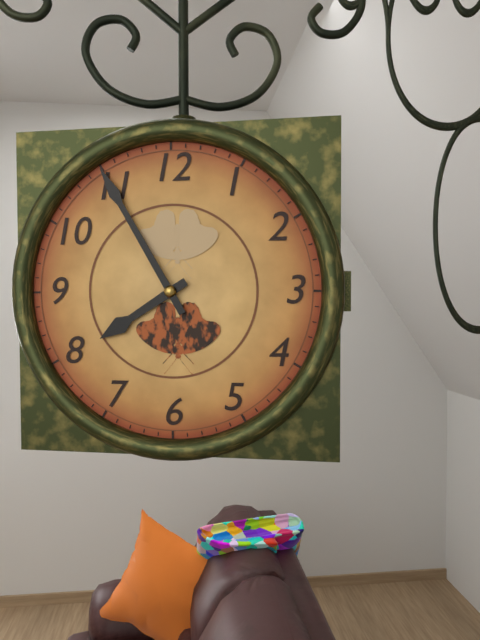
**7:55**
